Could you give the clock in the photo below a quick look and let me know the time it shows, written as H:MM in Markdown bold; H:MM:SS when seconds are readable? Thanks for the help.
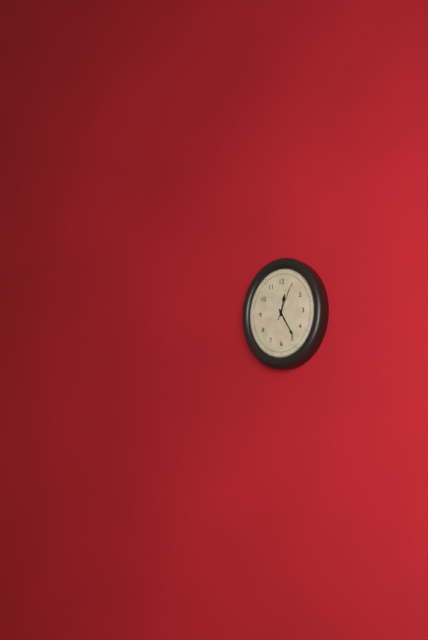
**12:25**
